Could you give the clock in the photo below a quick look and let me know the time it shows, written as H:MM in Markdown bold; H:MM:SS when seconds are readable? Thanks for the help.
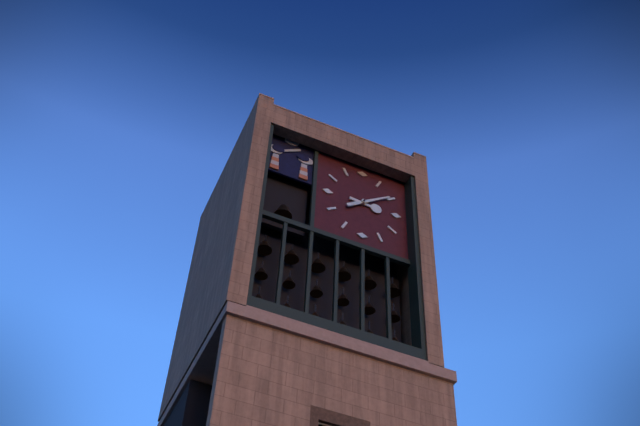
**3:09**
